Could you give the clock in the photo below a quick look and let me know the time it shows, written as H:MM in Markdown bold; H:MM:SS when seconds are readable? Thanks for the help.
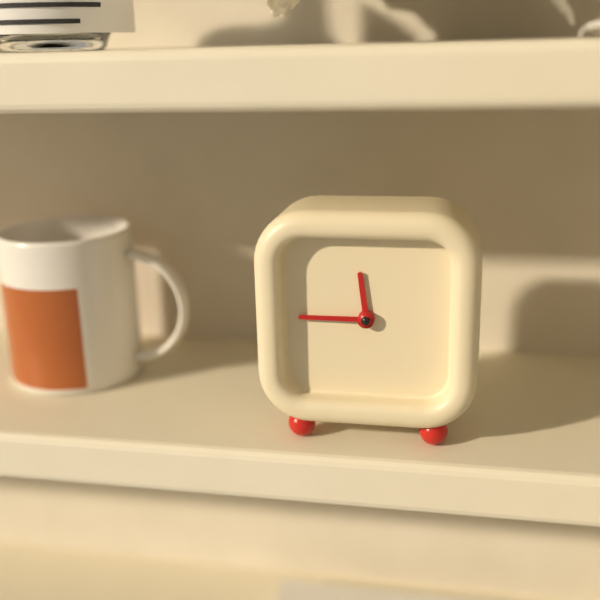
**11:45**
